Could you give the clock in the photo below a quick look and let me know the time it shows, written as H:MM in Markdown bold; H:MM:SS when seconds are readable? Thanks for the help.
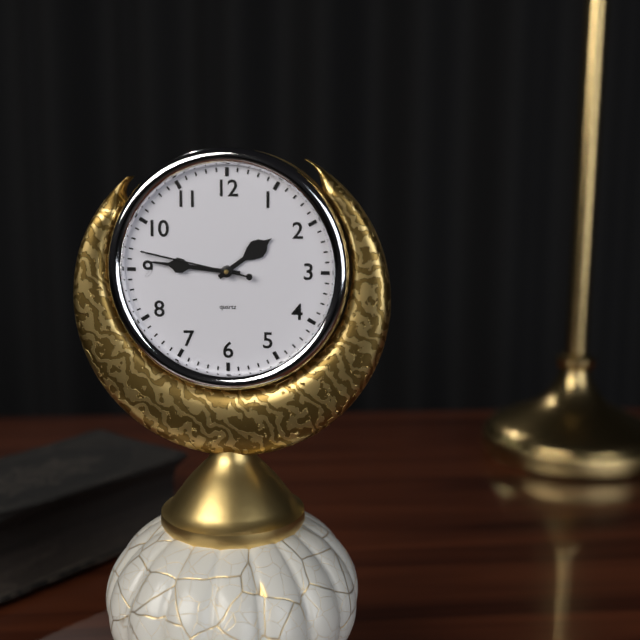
**1:46:47**
